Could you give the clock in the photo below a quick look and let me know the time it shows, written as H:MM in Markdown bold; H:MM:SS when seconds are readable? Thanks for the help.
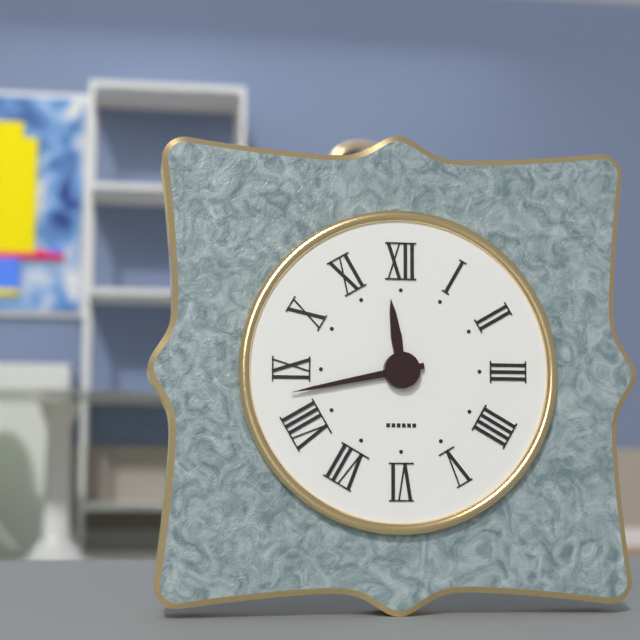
**11:43**
